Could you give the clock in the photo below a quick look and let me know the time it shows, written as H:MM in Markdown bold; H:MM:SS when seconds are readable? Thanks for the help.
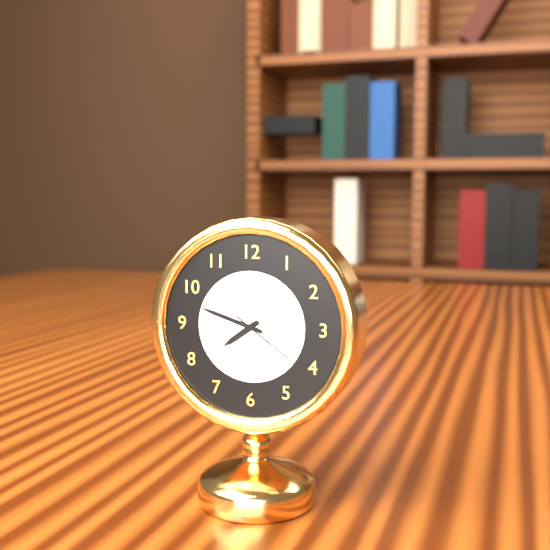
**7:48:21**
